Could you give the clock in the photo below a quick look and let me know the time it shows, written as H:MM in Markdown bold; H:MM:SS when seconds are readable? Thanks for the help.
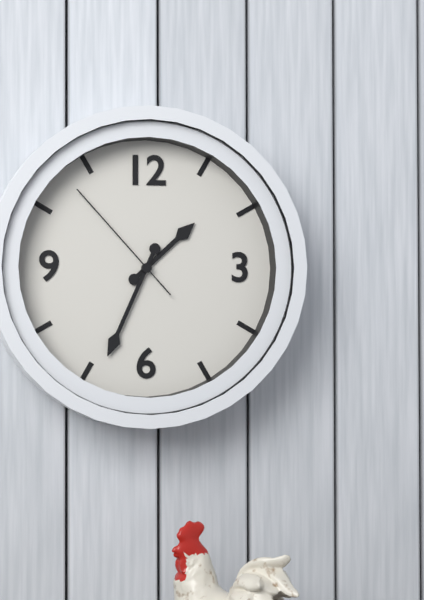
**1:34:53**
